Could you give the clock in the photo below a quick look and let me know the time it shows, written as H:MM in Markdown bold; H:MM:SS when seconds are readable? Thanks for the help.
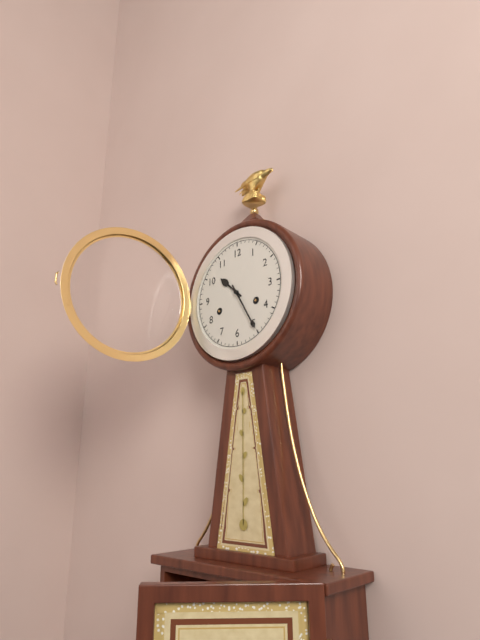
**10:25**
